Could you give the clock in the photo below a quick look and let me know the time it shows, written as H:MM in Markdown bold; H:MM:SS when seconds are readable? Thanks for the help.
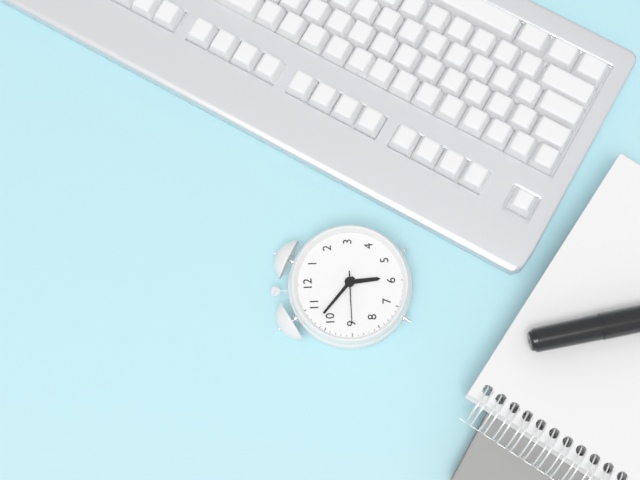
**5:52:45**
